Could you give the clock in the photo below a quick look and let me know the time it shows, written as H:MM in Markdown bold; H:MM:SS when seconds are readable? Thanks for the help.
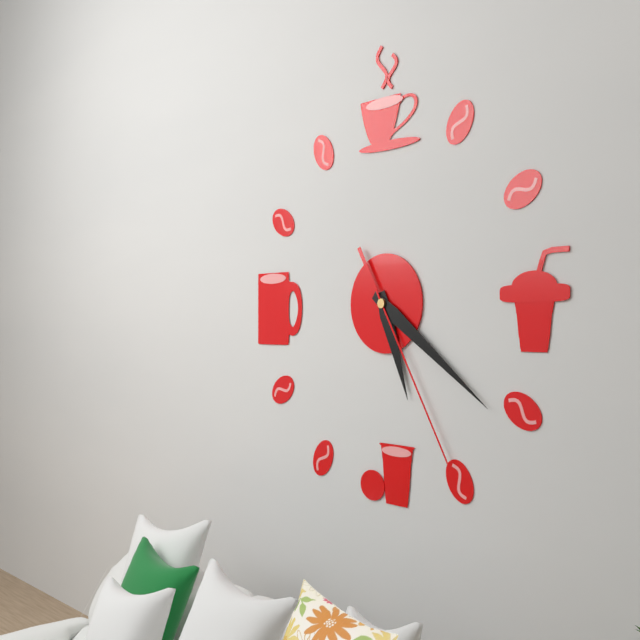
**5:21:25**
